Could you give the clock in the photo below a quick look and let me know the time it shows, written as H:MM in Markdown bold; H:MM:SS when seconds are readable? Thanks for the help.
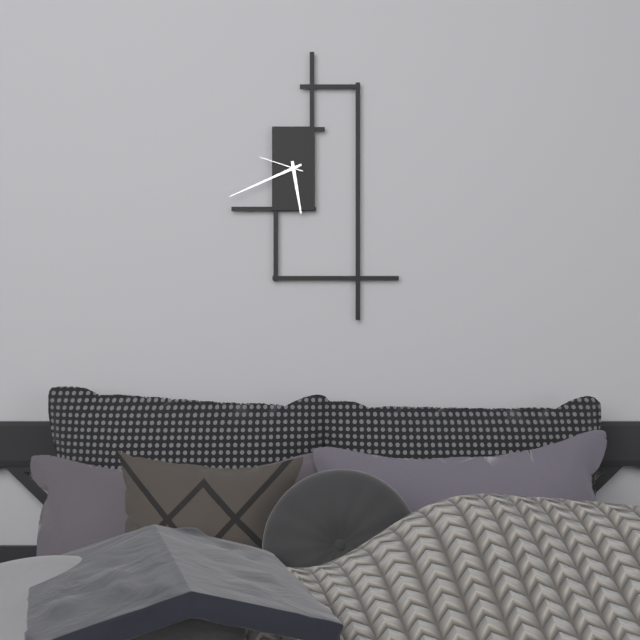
**5:41**
